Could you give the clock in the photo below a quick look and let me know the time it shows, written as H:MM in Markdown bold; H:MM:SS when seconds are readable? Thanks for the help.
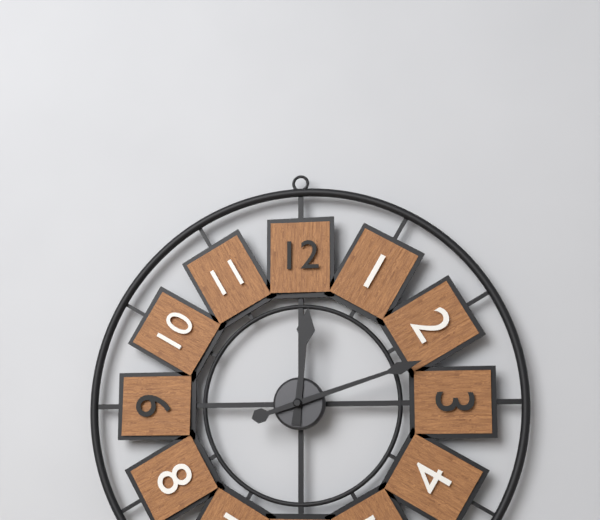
**12:12**
